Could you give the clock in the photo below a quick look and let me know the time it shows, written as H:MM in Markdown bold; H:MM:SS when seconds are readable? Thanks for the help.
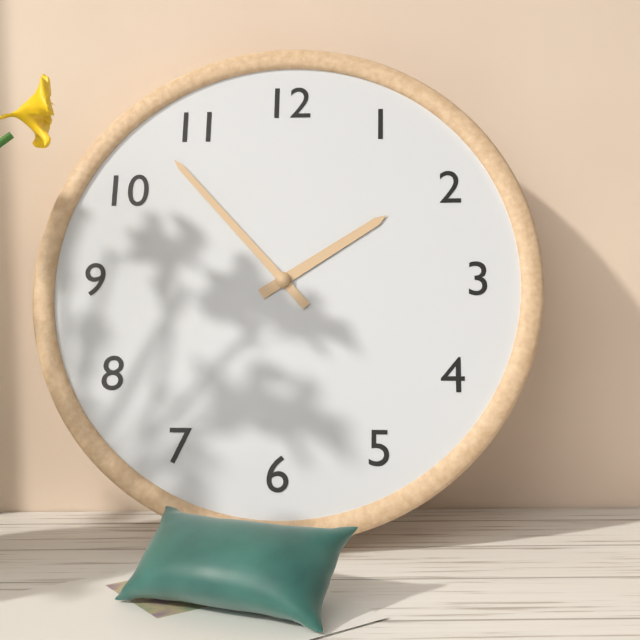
**1:53**
